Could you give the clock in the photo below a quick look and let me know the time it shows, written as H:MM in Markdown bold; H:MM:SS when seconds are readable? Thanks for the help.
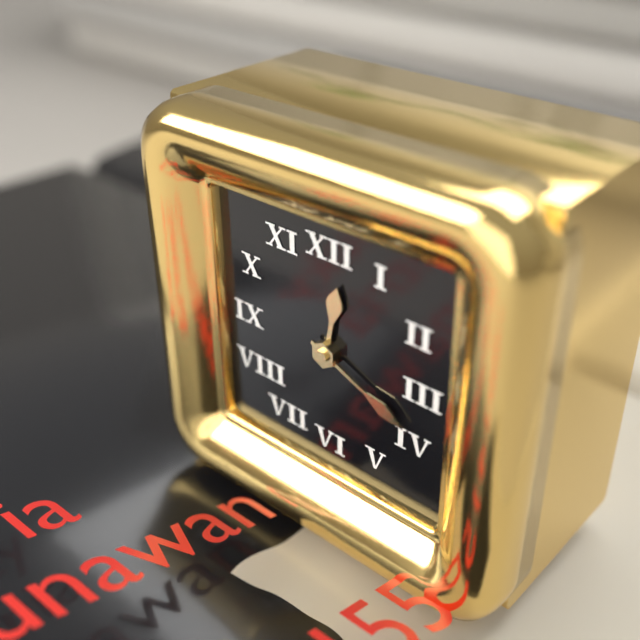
**12:19**
